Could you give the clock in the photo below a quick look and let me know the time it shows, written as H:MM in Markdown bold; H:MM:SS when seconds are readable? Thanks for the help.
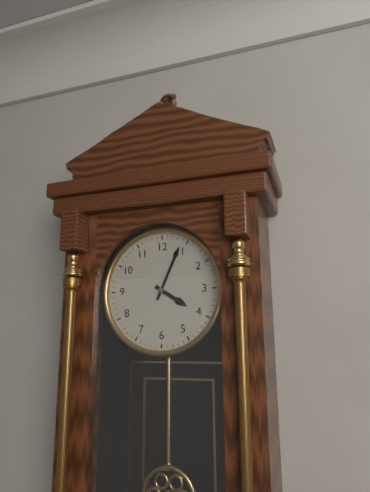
**4:04**
